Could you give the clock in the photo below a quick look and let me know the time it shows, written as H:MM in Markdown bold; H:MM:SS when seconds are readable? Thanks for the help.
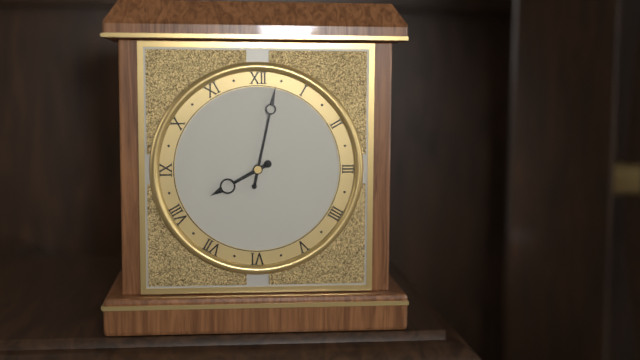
**8:02**
